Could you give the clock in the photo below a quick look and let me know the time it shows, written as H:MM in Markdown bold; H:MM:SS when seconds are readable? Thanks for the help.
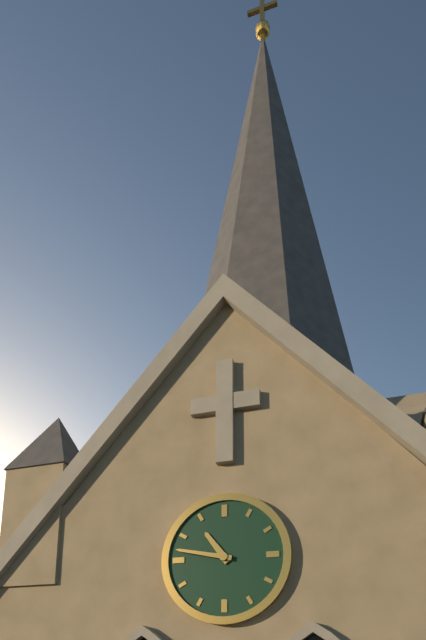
**10:47**
